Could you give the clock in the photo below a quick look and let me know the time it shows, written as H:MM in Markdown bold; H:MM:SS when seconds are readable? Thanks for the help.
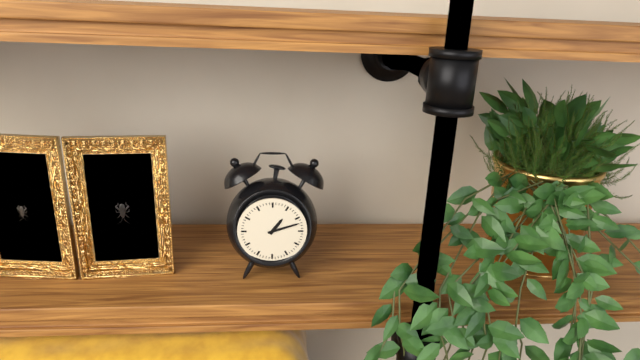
**1:12**
